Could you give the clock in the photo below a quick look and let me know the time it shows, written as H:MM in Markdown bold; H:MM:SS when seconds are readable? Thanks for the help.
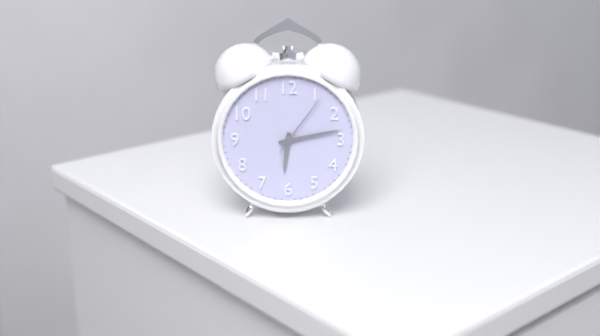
**6:13:06**
